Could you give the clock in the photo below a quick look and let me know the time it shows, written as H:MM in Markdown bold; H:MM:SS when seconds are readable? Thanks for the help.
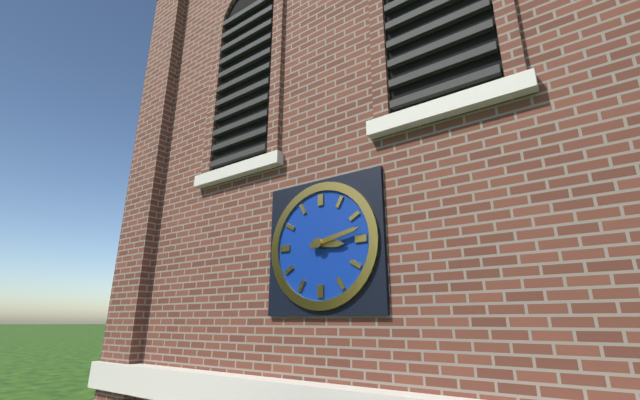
**3:13**
